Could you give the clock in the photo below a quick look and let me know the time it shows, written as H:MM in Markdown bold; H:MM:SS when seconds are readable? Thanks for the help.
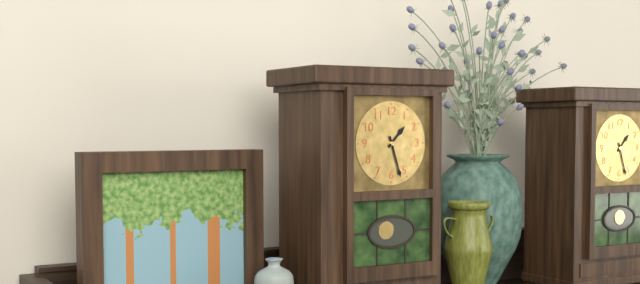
**1:27**
